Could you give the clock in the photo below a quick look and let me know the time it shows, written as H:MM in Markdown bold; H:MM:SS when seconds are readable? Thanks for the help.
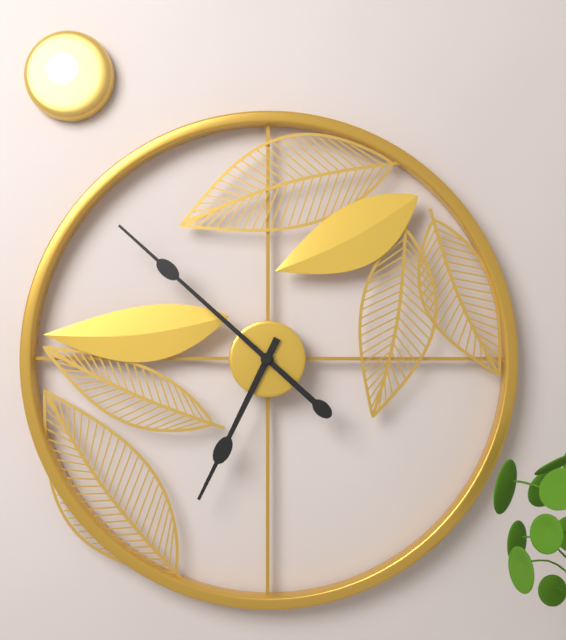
**6:52**
